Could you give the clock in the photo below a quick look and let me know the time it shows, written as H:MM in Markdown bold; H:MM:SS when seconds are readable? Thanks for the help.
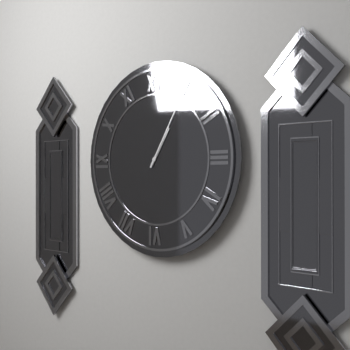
**1:05**
